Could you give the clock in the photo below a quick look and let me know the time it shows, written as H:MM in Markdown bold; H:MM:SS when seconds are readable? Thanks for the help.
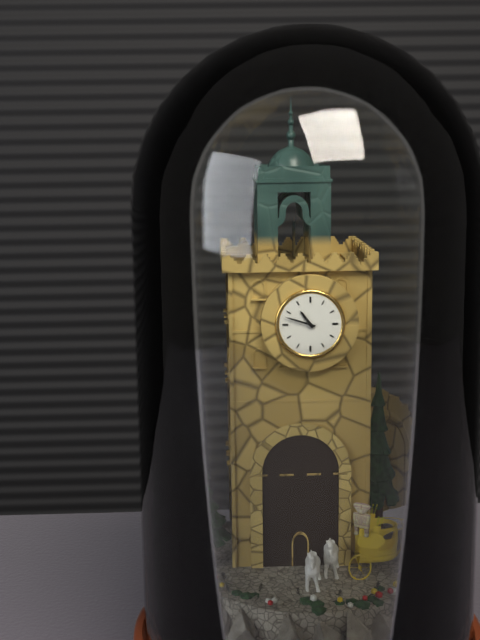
**10:48**
